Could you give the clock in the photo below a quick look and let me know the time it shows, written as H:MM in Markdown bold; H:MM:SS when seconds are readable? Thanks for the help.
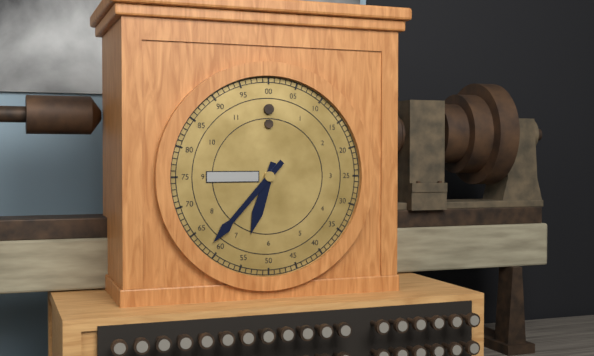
**6:37**
